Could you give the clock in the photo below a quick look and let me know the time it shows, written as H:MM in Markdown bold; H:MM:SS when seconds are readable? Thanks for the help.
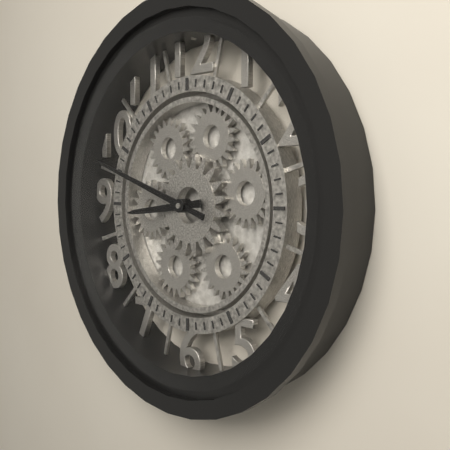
**8:48**
